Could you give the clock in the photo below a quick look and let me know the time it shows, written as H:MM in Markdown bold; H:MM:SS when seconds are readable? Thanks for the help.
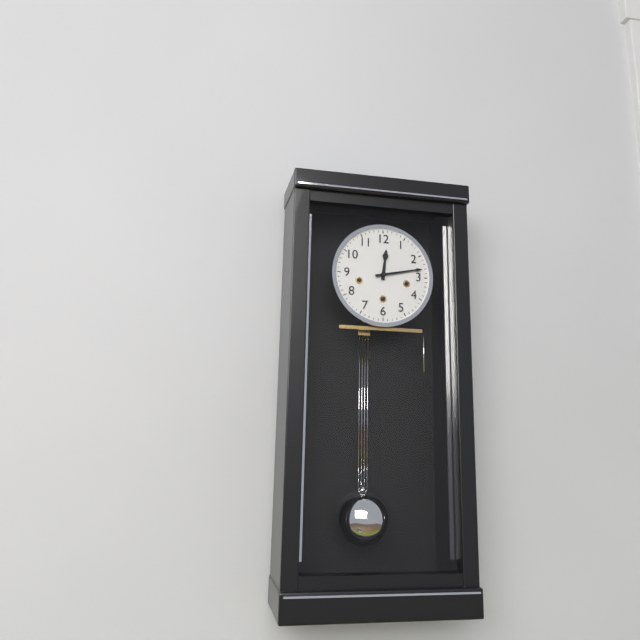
**12:13**
